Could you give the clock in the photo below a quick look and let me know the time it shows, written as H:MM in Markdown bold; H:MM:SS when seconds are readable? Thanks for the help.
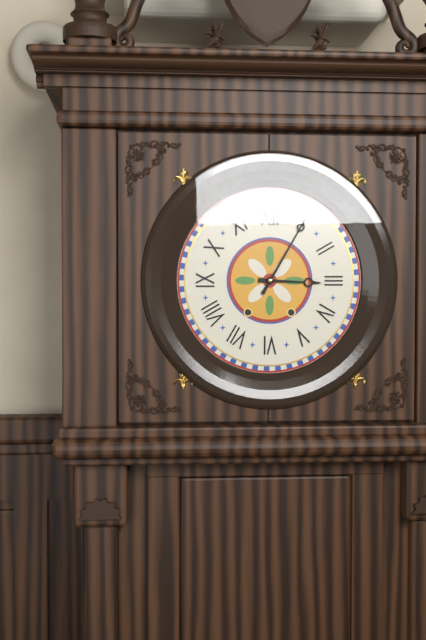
**3:05**
